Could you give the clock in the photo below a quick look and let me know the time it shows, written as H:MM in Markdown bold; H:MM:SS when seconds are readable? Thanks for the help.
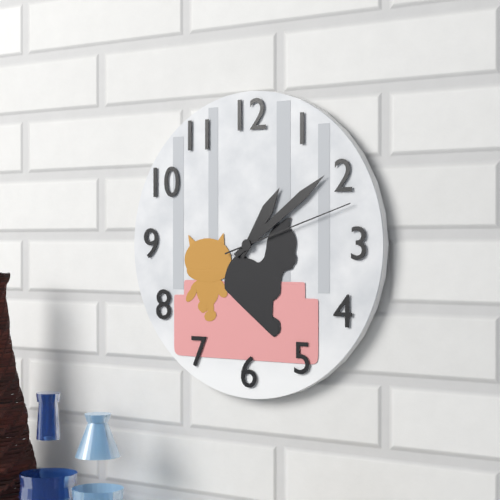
**1:09:12**
